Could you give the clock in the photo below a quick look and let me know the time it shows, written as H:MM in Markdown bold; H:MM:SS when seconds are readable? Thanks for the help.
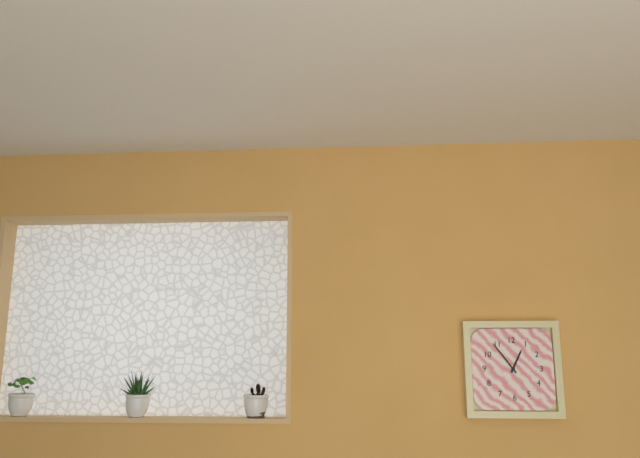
**12:54**
